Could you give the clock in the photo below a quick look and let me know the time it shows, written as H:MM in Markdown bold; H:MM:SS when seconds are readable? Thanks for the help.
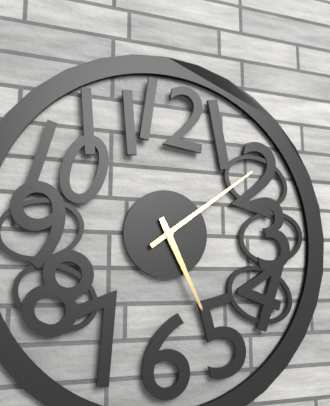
**5:09**
